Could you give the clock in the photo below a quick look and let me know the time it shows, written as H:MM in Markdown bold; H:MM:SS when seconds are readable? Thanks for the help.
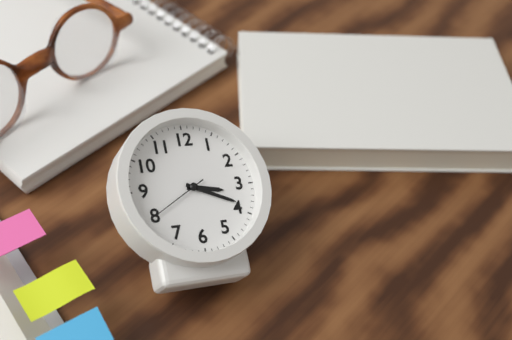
**3:19:40**
